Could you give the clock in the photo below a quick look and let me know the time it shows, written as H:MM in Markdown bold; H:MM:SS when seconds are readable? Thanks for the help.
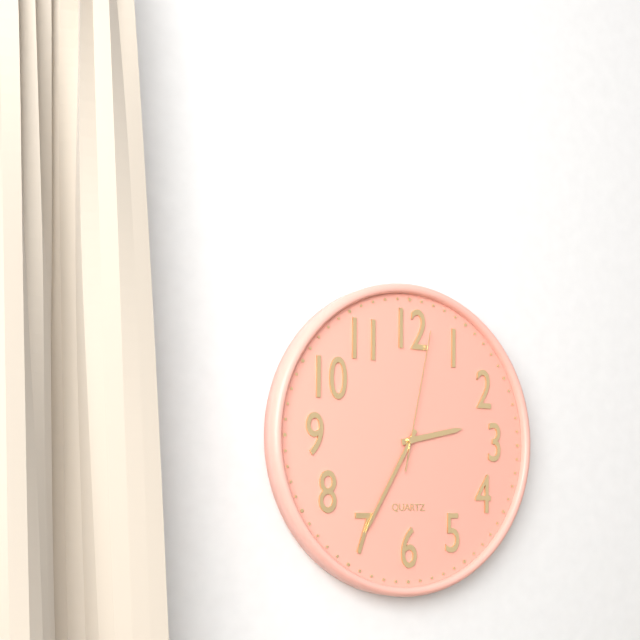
**2:35:02**
